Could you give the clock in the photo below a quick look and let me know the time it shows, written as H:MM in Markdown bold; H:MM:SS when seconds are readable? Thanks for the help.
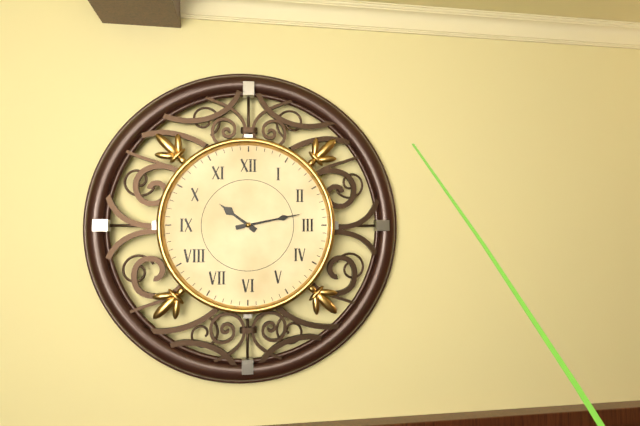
**10:13**
